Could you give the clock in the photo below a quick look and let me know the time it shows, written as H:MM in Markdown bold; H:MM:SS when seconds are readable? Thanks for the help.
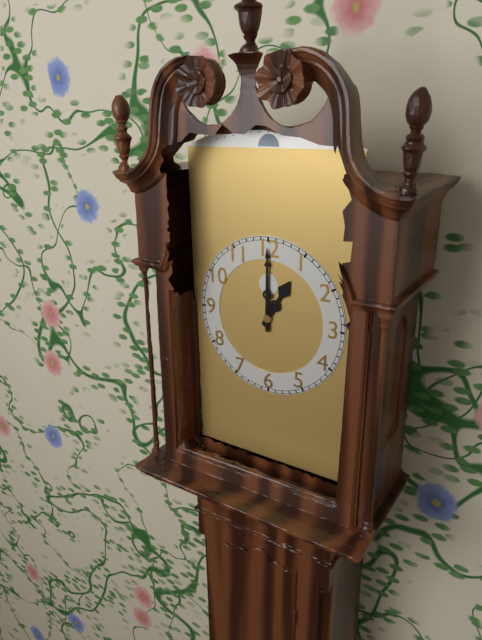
**1:00**
